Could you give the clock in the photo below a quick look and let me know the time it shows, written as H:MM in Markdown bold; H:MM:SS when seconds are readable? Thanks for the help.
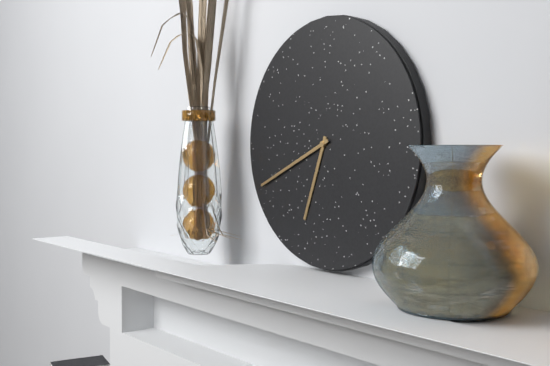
**6:41**
